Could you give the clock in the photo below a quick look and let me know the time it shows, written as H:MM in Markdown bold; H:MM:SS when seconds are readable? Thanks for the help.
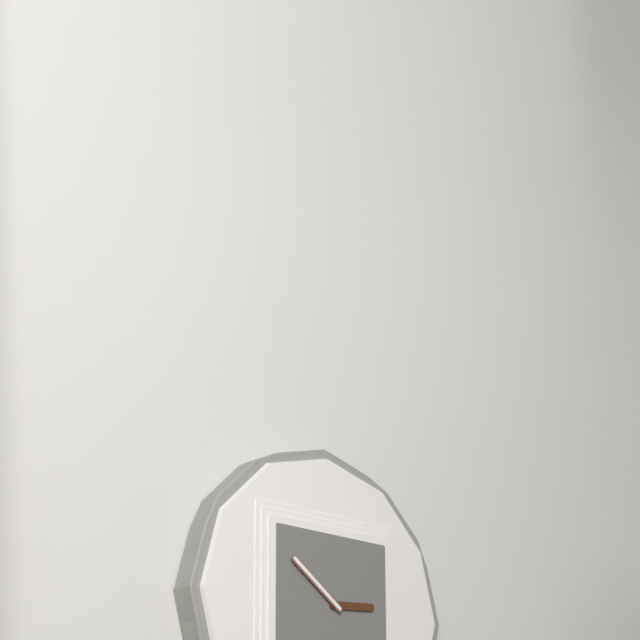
**2:51**
